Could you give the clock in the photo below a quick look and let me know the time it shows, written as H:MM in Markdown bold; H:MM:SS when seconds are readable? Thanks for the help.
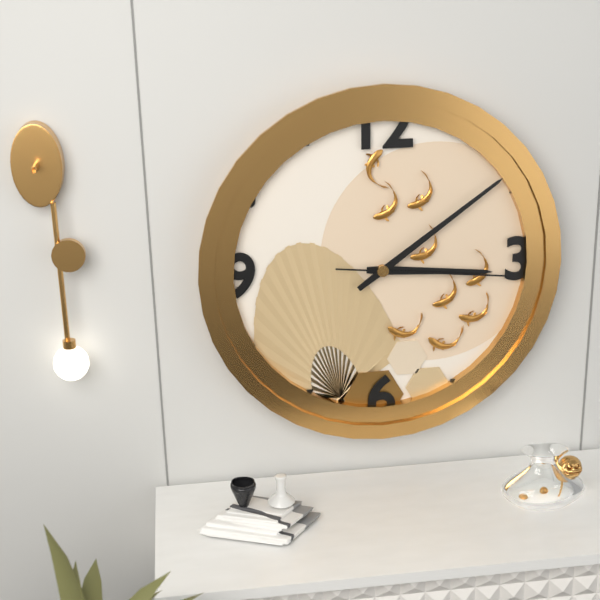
**3:09:16**
